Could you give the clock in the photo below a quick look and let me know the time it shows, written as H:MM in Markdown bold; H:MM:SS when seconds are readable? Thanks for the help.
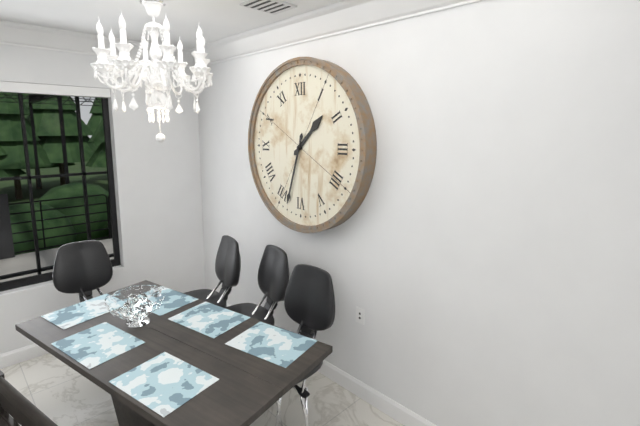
**1:33**
